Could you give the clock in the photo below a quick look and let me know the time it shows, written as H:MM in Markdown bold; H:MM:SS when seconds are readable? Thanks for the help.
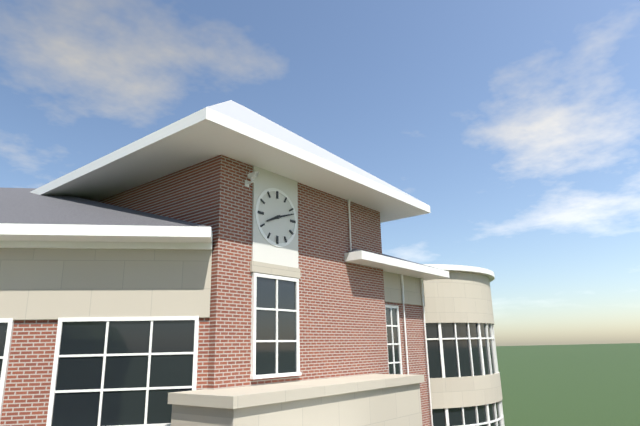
**8:12**
